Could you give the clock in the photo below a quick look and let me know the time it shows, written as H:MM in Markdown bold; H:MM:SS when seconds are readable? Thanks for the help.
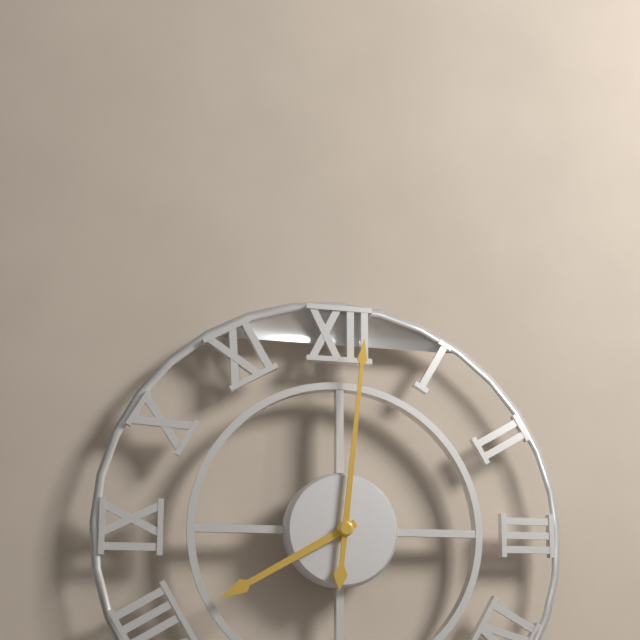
**8:01**
